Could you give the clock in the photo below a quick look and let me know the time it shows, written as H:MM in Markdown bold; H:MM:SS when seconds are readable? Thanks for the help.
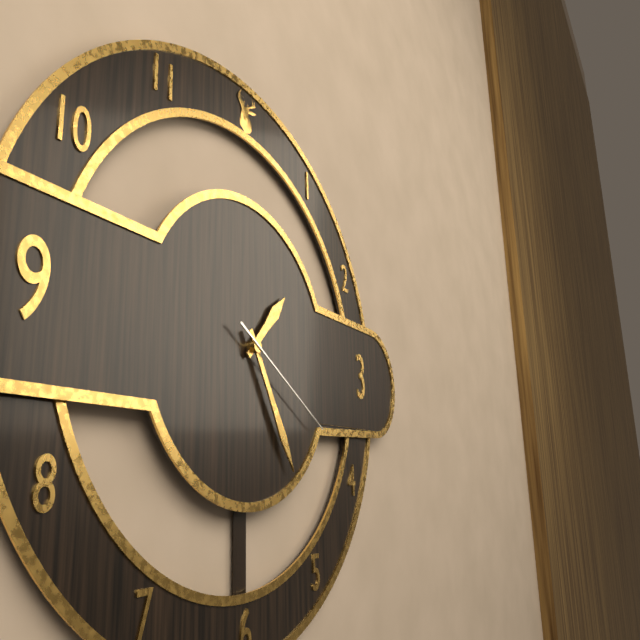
**1:25:20**
